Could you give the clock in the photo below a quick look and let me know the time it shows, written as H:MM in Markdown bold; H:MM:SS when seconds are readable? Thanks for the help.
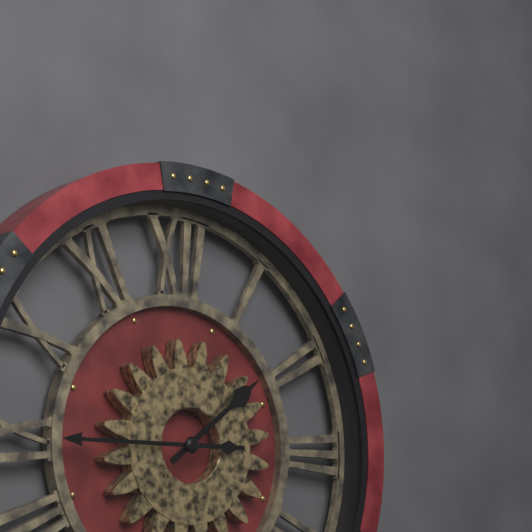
**1:45**
